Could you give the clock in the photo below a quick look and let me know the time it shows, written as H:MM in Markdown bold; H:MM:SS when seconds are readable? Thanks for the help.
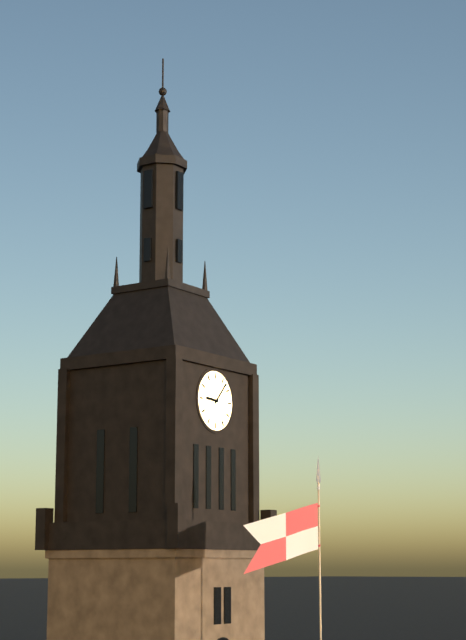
**9:07**
